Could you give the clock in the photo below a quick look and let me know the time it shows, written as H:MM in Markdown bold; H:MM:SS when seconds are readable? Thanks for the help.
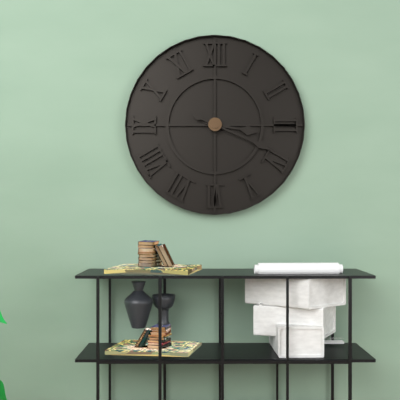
**3:19**
